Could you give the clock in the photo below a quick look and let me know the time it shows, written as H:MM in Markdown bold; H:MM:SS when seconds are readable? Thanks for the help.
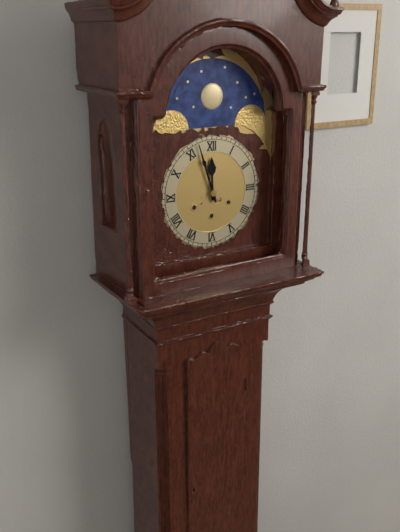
**11:57**
